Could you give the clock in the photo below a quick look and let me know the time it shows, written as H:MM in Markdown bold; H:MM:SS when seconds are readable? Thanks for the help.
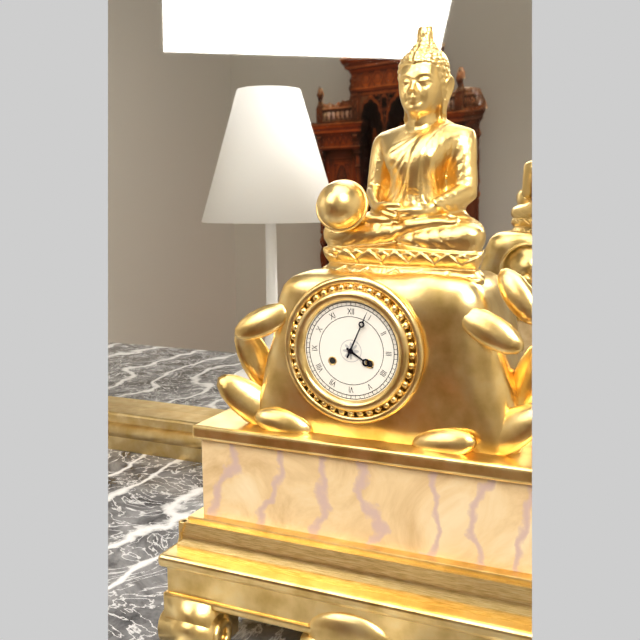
**4:04**
